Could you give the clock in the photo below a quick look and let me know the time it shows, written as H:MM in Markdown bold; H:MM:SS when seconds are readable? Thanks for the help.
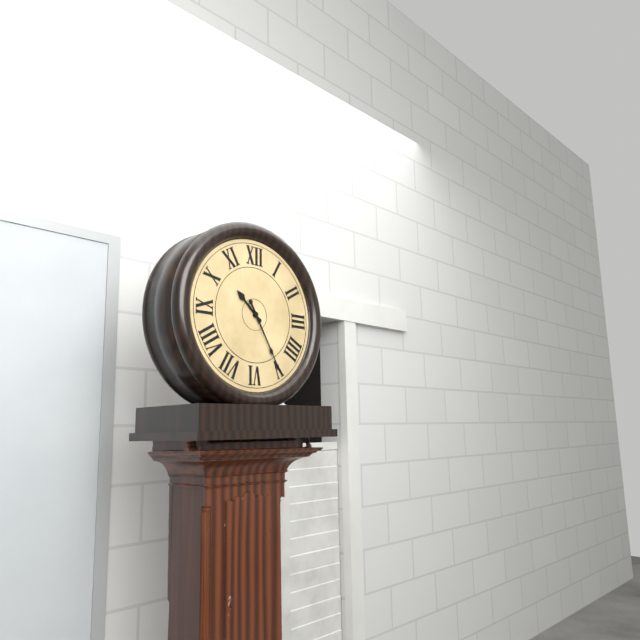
**10:25**
